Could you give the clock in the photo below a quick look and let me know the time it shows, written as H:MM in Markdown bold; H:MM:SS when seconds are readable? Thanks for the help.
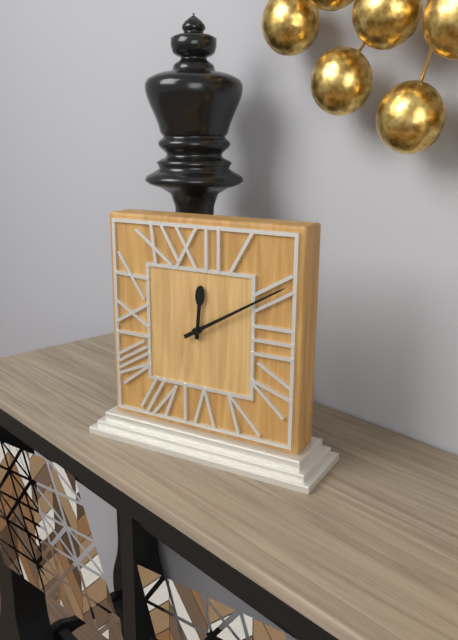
**12:10**
